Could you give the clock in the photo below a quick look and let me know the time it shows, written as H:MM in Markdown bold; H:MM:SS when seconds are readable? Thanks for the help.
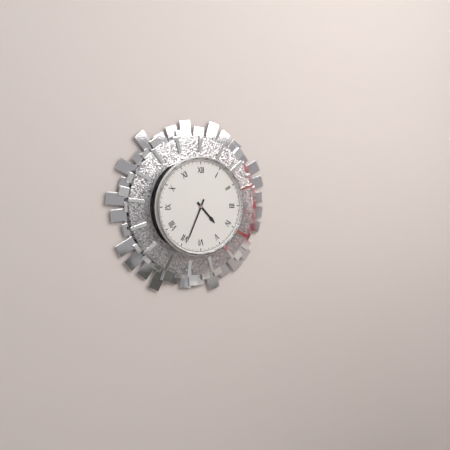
**4:34**
